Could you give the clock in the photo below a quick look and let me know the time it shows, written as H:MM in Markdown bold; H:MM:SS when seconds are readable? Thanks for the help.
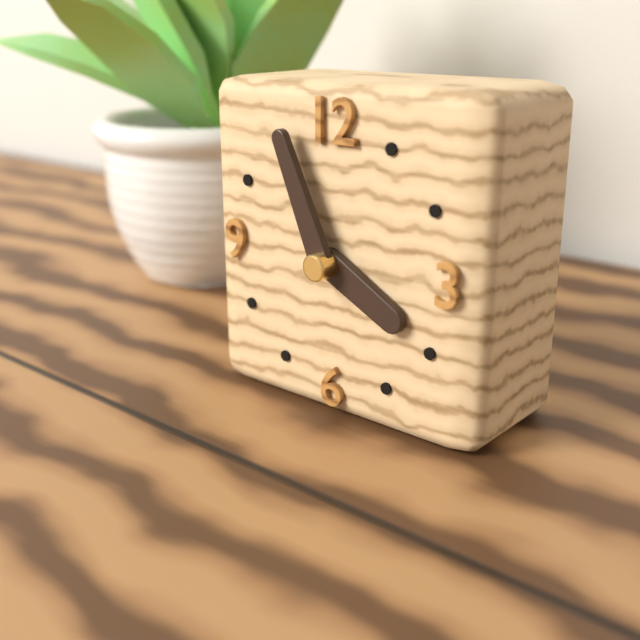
**3:56**
